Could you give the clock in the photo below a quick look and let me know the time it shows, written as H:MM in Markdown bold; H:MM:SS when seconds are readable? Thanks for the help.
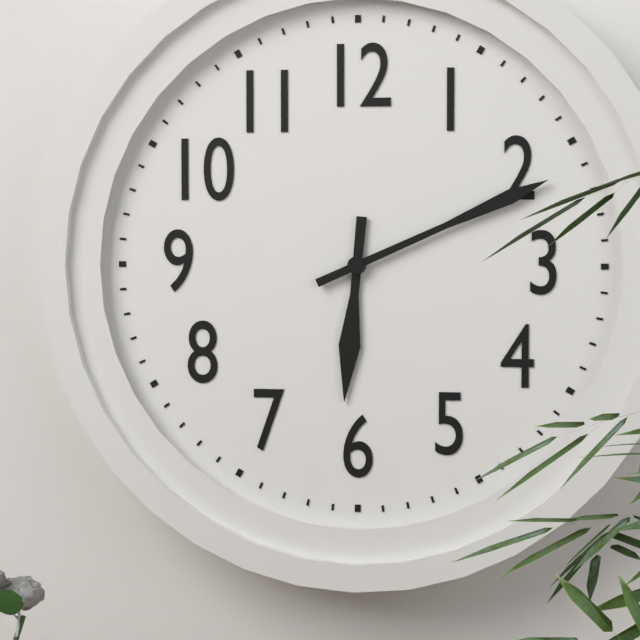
**6:11**
